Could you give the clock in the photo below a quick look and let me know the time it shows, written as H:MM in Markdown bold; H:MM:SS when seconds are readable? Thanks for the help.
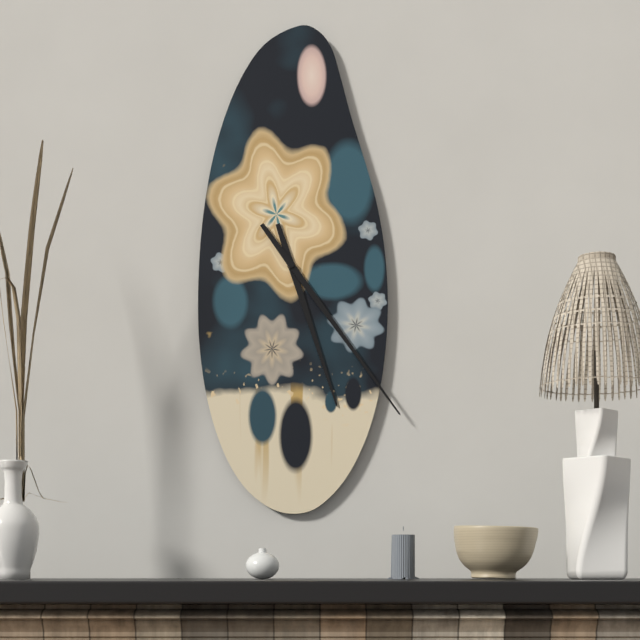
**5:24**
